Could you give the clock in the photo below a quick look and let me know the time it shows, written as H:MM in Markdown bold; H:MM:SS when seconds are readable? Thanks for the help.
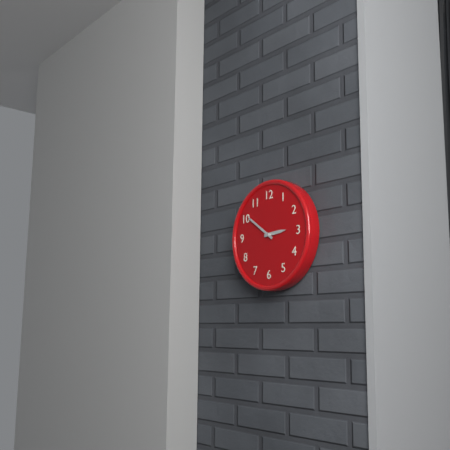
**2:51**
